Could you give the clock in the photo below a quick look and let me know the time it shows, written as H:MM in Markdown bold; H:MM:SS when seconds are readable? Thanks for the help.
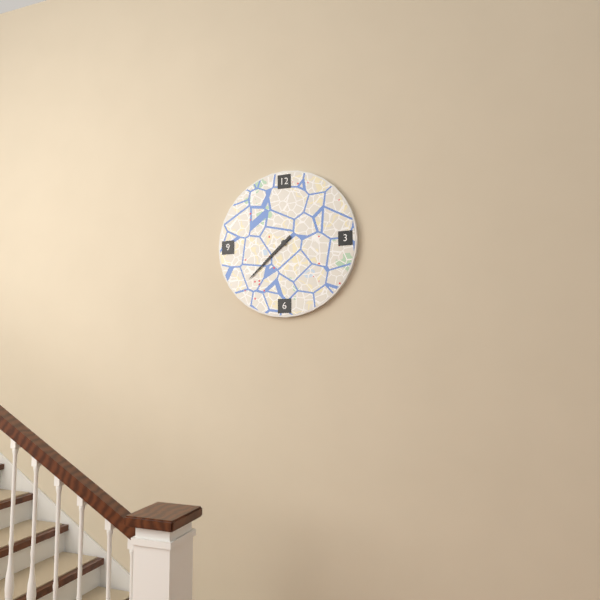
**7:38**
